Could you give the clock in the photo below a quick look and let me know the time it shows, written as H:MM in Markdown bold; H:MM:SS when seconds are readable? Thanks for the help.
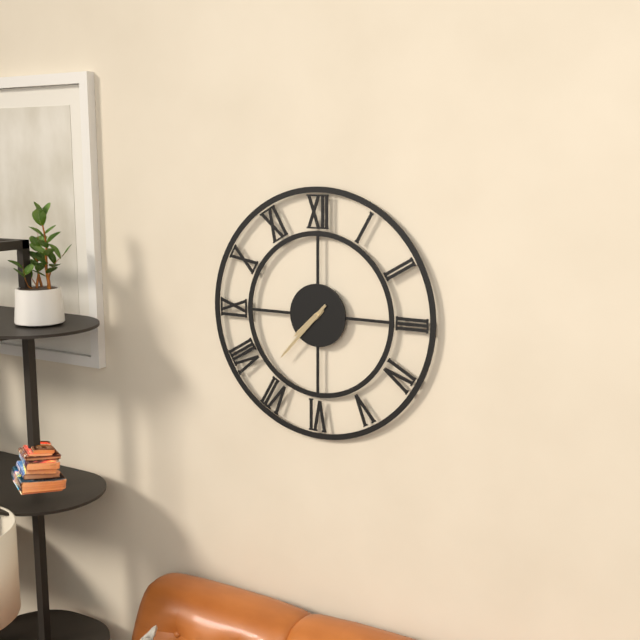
**7:37**
